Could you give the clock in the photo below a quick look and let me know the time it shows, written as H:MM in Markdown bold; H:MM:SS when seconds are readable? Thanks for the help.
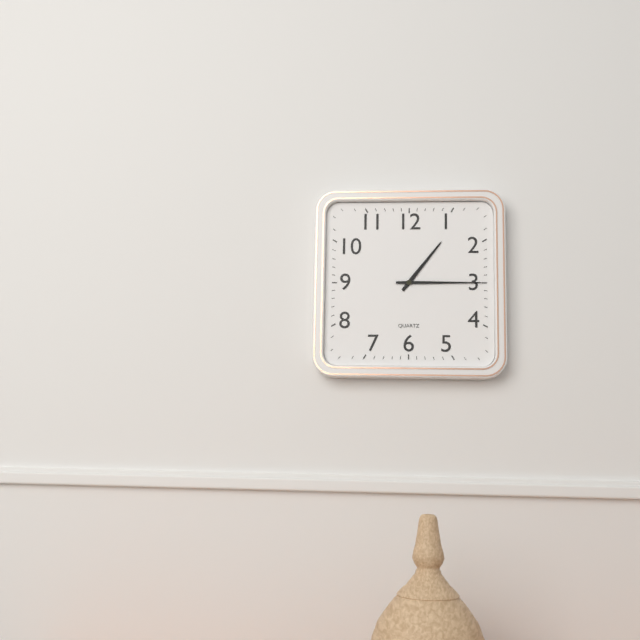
**1:15**
